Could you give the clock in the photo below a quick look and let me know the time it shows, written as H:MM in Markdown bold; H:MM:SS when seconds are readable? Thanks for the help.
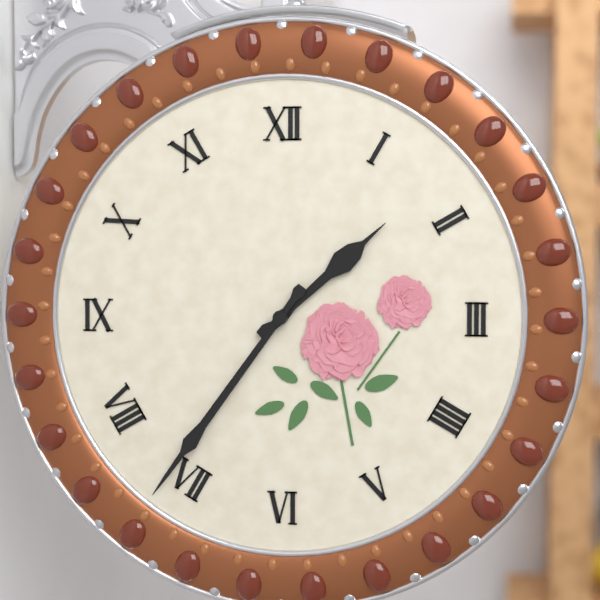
**1:36**
